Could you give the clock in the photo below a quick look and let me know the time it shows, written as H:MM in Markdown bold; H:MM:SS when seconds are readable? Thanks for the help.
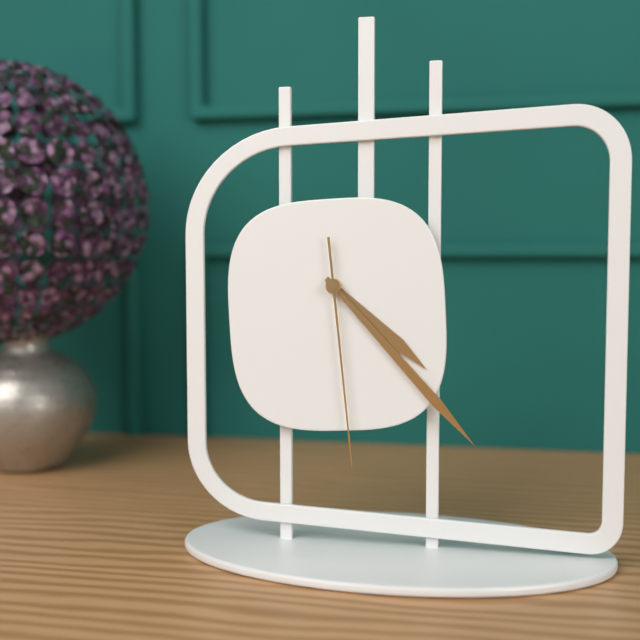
**4:23:29**
